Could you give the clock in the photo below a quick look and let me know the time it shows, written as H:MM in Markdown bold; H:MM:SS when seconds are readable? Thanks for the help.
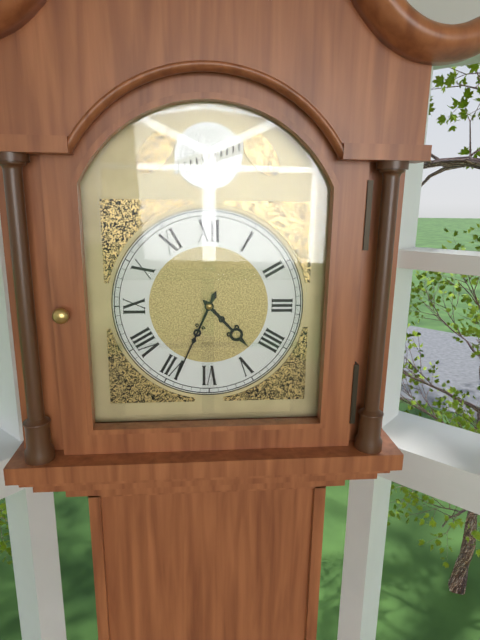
**4:34**
